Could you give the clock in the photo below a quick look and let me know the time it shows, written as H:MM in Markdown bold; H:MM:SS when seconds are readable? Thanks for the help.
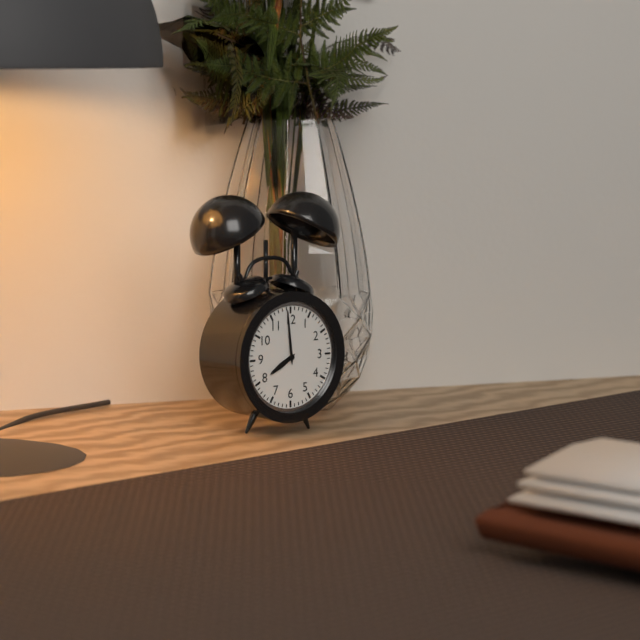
**7:59**
